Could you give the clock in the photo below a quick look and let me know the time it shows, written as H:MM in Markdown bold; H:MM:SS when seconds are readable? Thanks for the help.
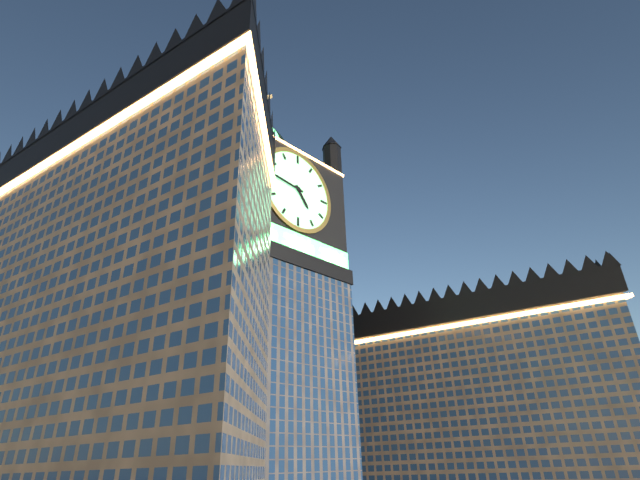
**4:46**
